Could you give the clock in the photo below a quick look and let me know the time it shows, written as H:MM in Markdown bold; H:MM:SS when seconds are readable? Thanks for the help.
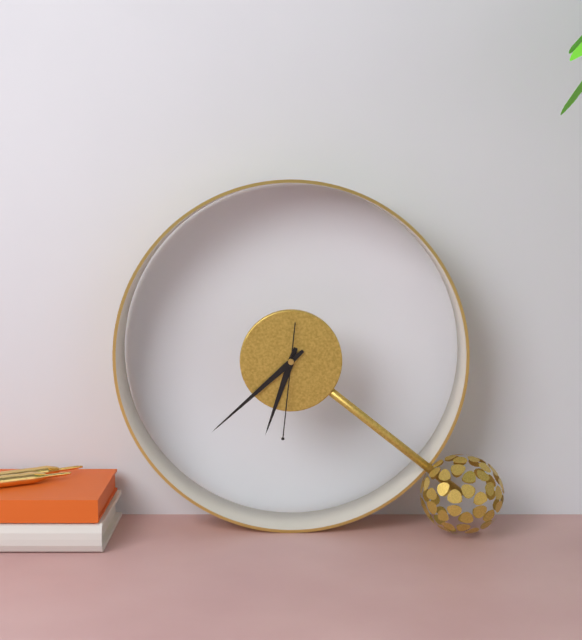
**6:38:31**
